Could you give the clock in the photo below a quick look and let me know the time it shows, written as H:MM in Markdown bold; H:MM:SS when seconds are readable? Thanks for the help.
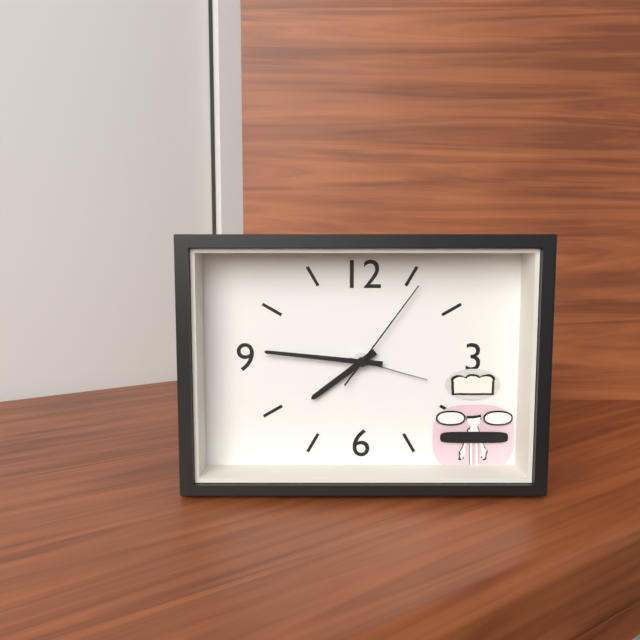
**7:46:06**
